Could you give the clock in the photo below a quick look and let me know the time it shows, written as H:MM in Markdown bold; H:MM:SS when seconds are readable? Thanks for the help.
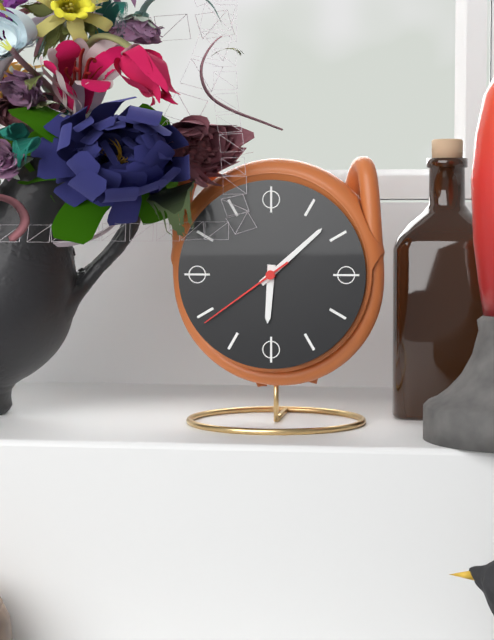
**6:08:39**
